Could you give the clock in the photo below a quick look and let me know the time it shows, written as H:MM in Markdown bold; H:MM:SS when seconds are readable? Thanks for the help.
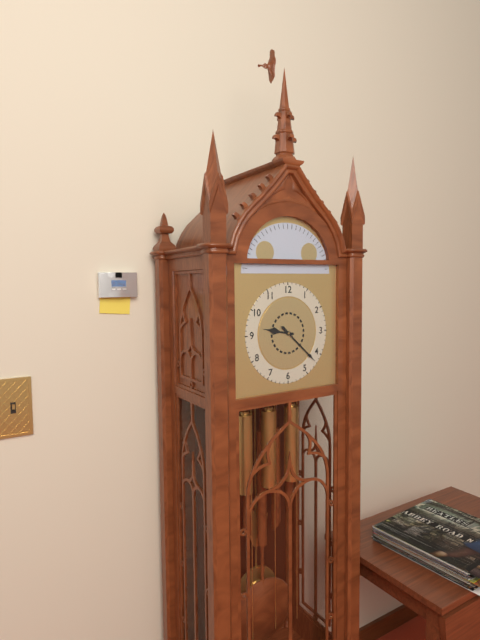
**9:22**
